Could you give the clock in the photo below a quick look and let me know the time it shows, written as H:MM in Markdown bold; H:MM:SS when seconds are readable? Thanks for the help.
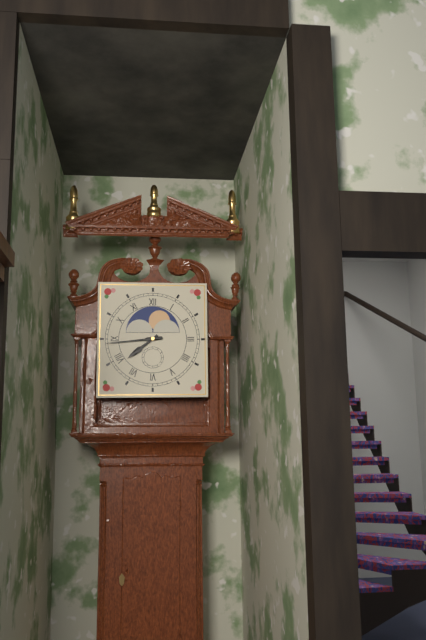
**7:44**
